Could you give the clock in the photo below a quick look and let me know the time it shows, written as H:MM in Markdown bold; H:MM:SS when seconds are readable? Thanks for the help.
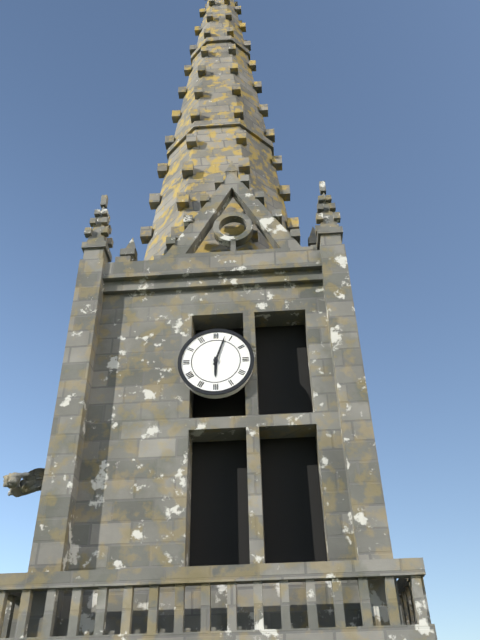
**6:03**
